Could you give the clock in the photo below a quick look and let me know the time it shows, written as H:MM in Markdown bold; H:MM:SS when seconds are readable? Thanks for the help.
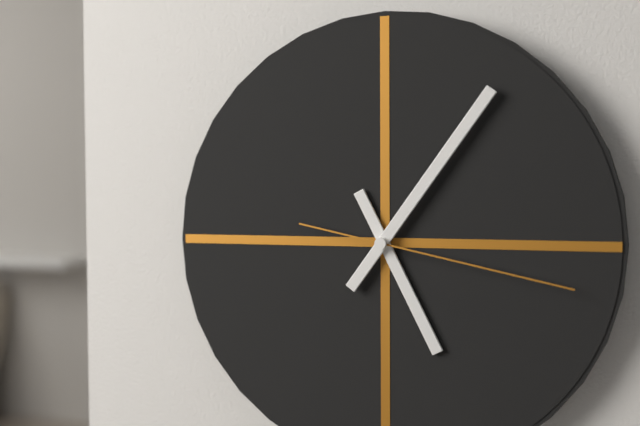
**5:06:17**
